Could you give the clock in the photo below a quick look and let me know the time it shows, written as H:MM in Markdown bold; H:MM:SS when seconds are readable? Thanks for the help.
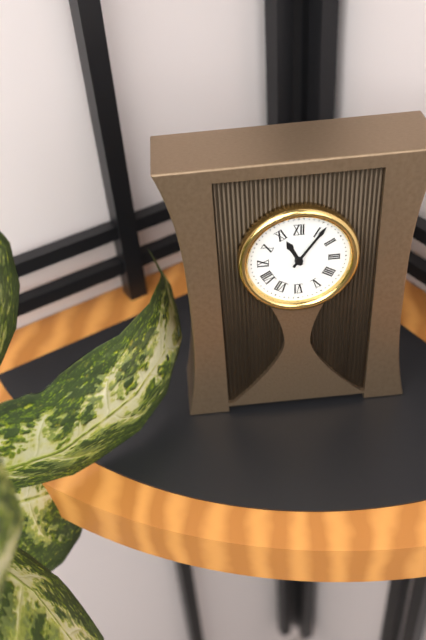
**11:06**
